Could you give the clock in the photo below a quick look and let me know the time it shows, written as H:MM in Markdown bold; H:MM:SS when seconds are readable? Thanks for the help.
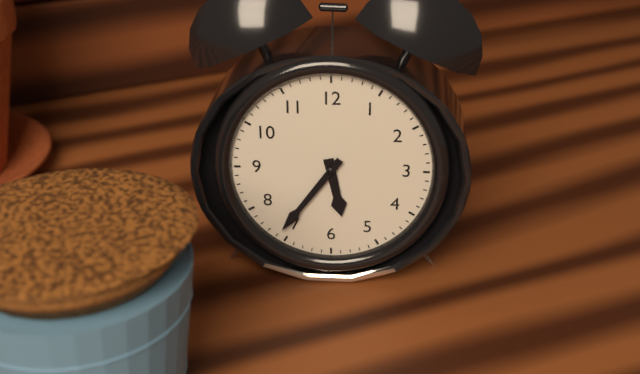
**5:36**
